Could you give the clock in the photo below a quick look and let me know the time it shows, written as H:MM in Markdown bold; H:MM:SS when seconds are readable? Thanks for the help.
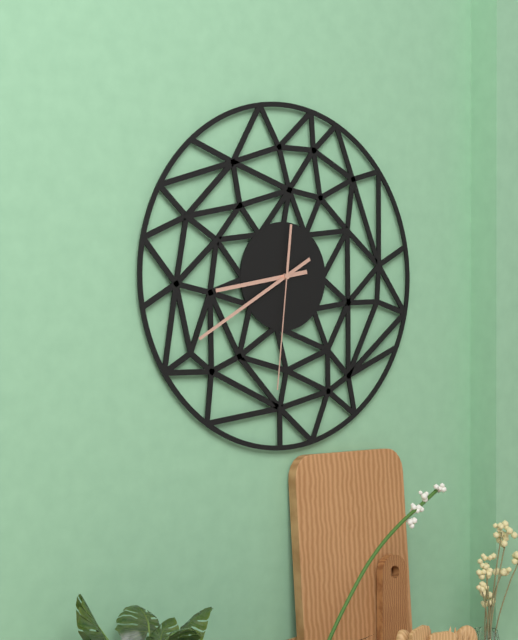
**8:40:31**
